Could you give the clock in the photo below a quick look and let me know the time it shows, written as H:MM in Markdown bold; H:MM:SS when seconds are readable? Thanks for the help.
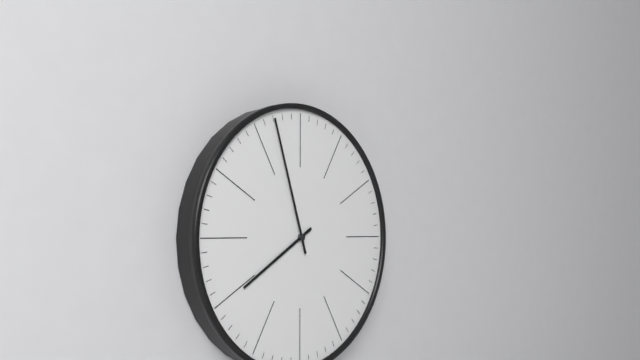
**7:57**
